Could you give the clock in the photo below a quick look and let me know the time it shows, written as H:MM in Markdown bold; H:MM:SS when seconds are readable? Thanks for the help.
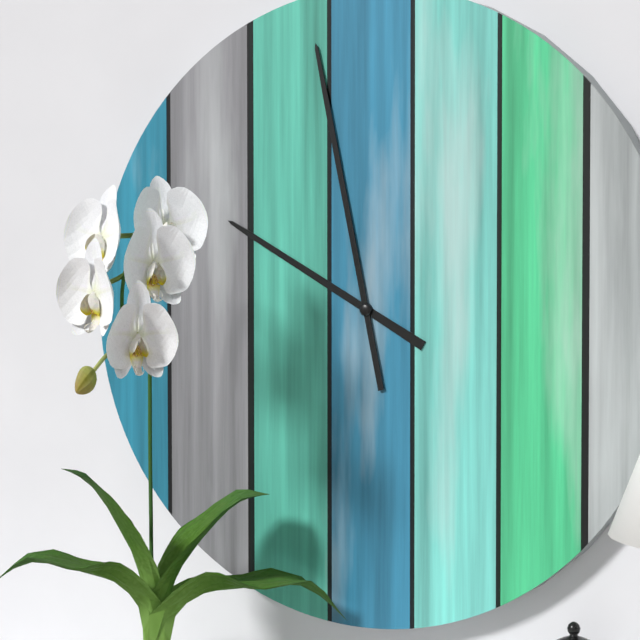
**9:58**
